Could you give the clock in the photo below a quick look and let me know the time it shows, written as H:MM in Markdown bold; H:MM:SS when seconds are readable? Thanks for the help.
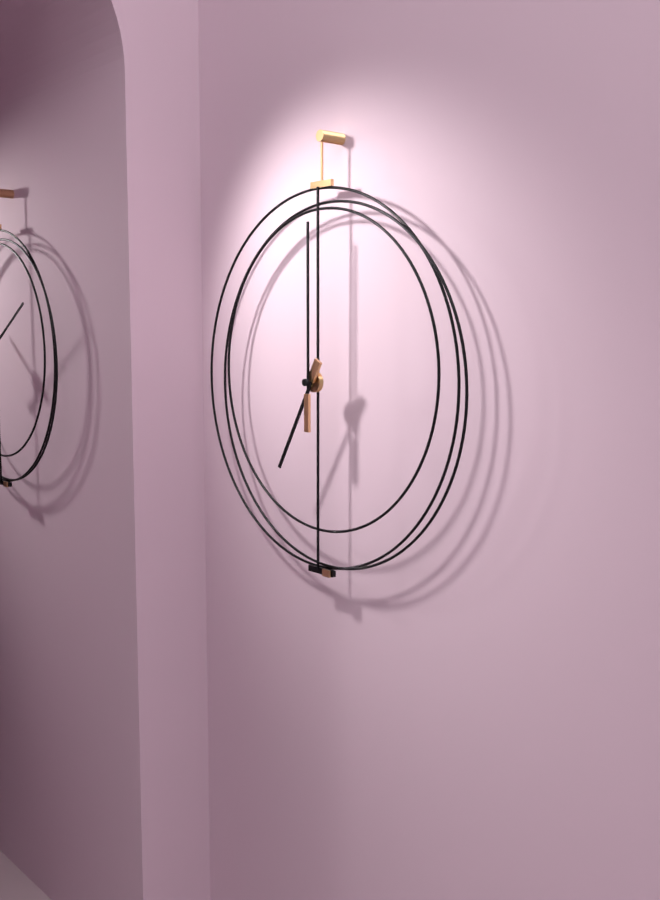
**7:00**
